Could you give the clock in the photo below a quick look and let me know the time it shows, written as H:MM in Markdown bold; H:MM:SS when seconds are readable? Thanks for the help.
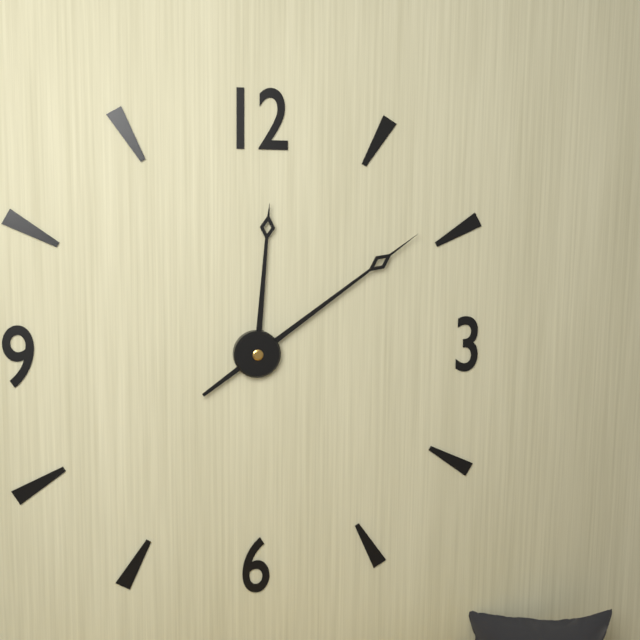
**12:09**
